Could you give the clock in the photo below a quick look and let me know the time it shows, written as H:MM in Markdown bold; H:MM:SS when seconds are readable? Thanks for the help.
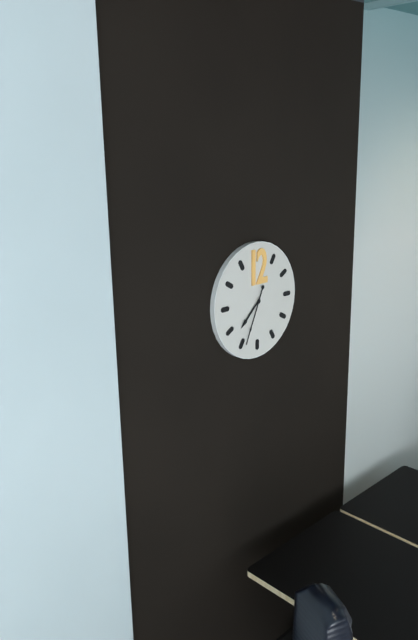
**7:34**
